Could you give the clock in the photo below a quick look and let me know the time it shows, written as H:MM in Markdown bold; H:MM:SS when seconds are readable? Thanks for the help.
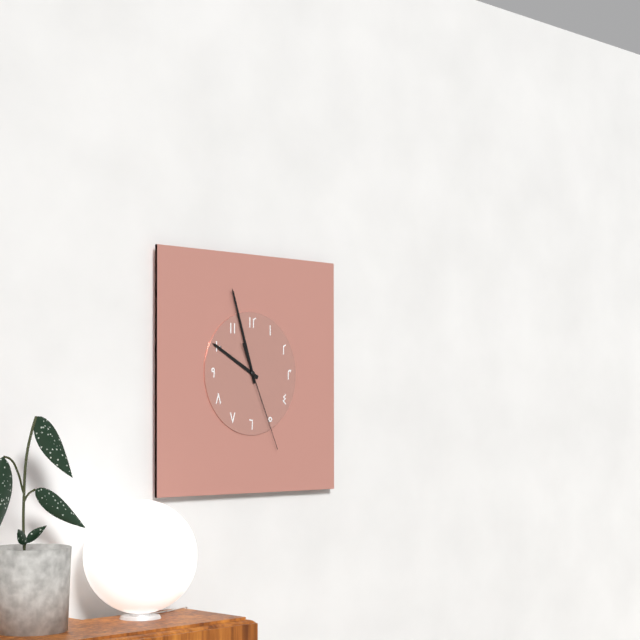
**9:57:26**
